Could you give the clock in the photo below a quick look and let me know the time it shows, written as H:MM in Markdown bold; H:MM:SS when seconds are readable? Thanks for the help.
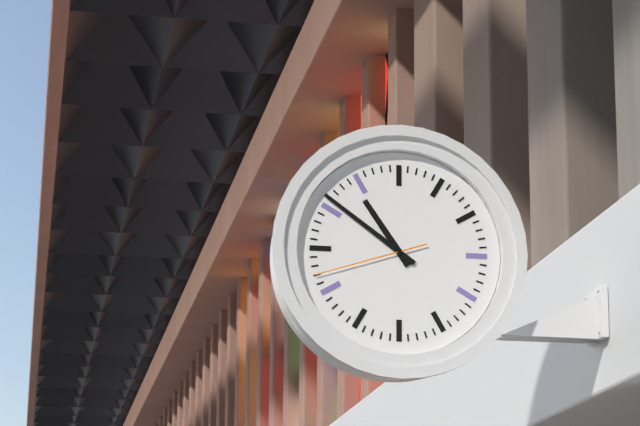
**10:51:42**
